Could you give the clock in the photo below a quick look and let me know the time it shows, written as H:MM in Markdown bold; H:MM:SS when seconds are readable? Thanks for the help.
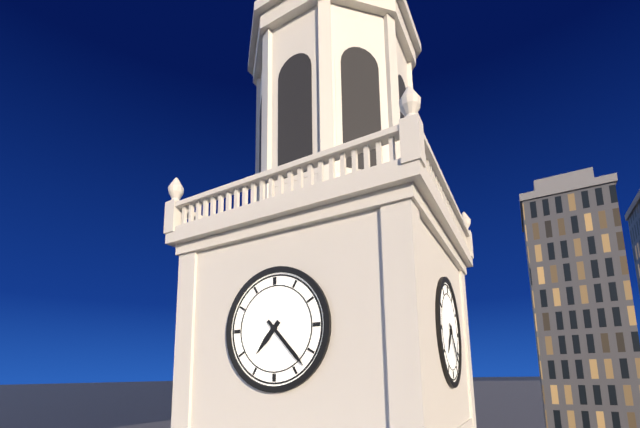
**7:23**
